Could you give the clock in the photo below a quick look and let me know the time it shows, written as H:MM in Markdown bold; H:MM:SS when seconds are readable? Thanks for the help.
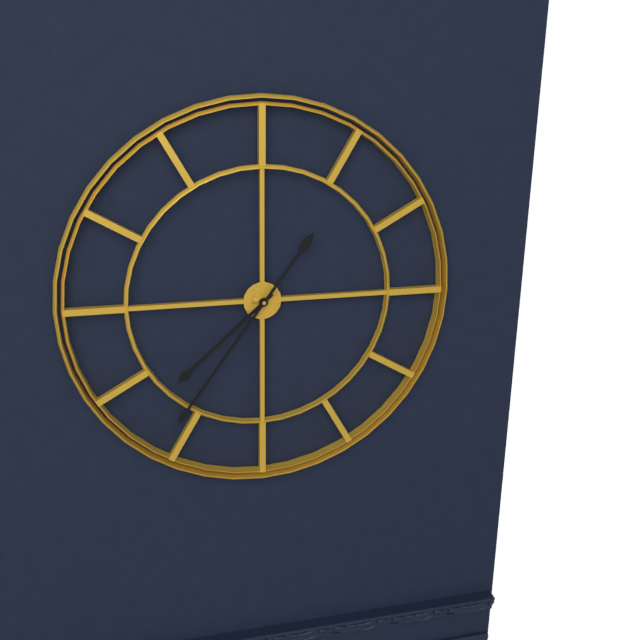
**7:36**
